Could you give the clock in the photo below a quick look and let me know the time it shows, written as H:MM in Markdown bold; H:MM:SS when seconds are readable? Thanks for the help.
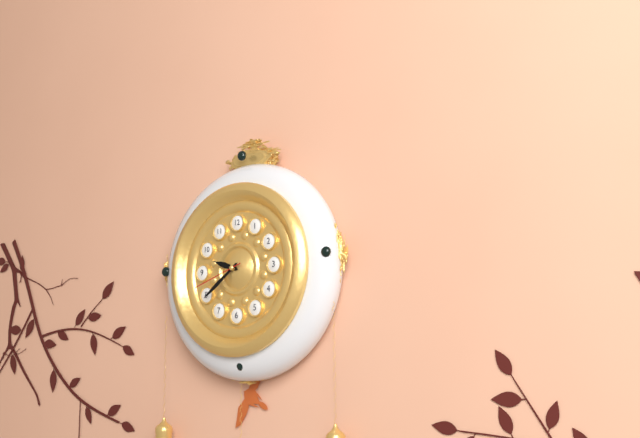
**9:39:42**
